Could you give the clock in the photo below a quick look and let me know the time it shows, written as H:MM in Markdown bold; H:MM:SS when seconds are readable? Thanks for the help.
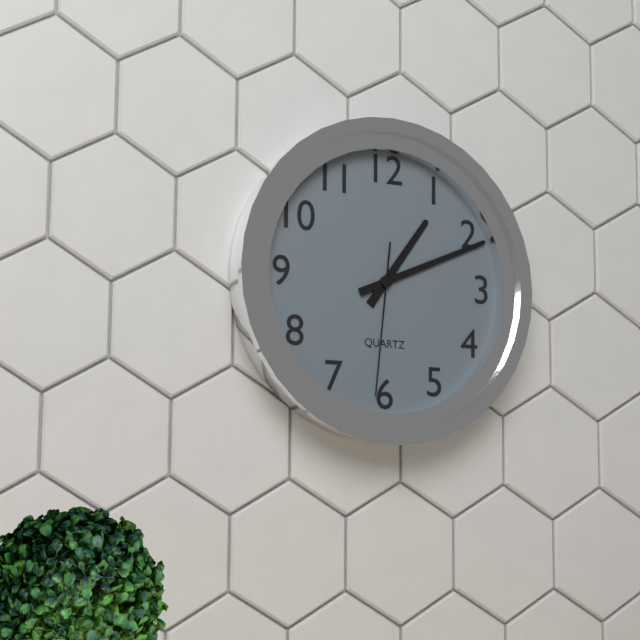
**1:11:31**
